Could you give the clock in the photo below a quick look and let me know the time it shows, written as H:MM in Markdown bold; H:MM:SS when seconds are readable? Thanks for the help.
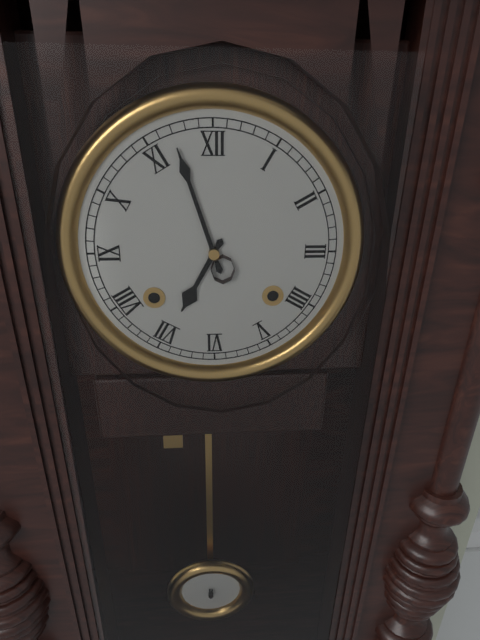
**6:57**
